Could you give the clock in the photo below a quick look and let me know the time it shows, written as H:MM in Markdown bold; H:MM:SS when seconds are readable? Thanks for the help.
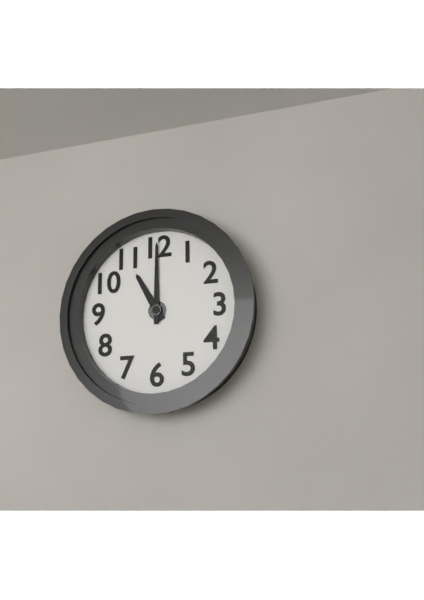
**11:00**
